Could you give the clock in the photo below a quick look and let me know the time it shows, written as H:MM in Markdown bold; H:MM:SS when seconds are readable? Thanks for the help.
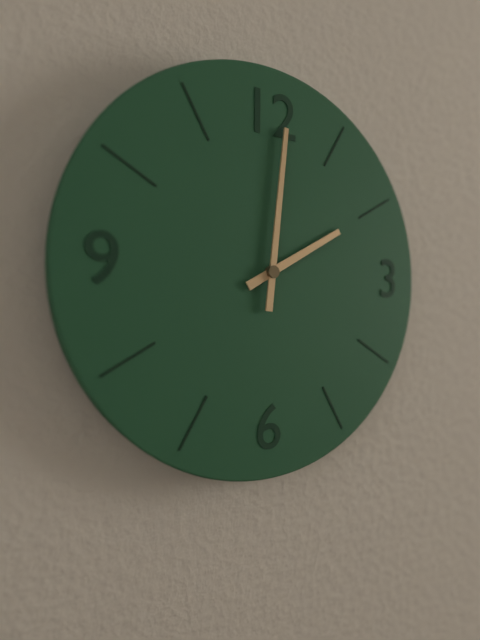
**2:01**
